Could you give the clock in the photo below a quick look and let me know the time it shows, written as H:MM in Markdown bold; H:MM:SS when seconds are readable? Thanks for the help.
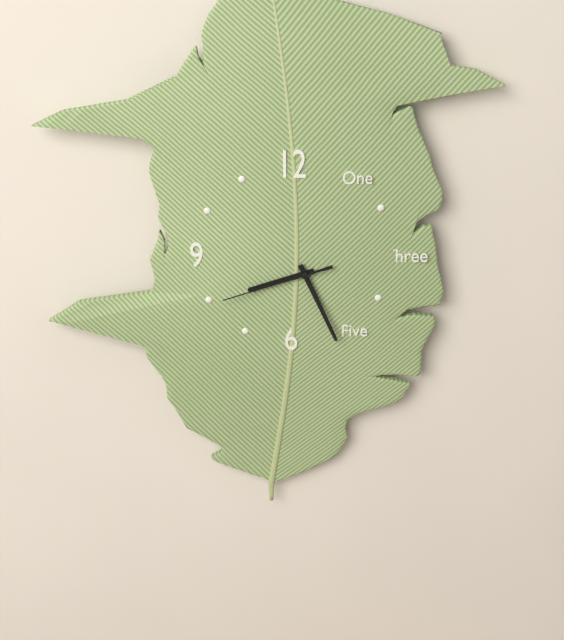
**8:26:42**
